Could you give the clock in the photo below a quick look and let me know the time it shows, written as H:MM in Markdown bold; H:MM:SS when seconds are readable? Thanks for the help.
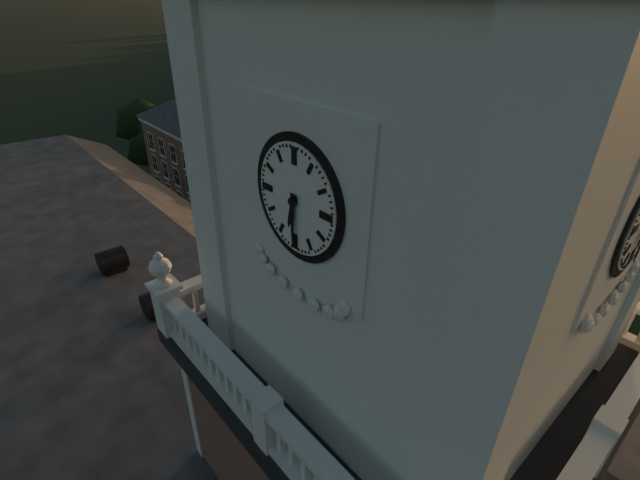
**6:30**
